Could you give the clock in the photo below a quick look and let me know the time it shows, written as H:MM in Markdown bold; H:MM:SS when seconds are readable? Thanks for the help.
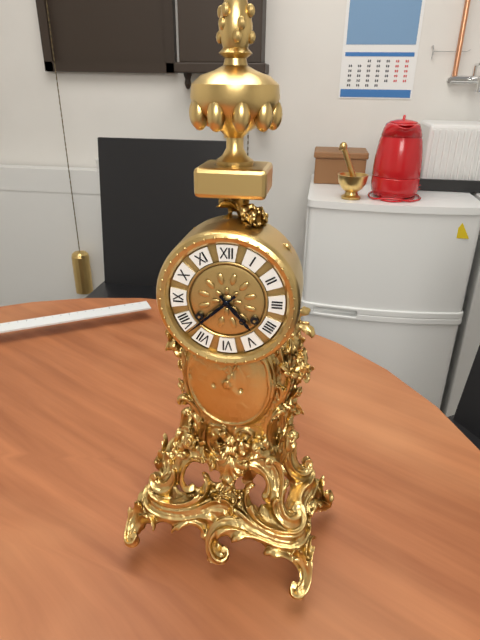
**4:38**
